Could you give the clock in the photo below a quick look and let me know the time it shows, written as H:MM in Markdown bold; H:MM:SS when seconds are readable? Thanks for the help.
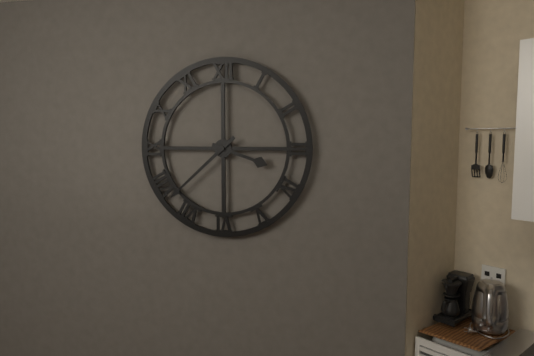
**3:38**
